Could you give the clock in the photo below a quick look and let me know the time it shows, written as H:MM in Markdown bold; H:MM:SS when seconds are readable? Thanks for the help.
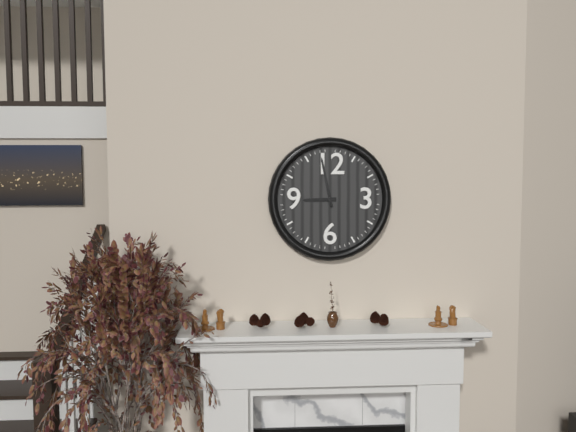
**8:58**
